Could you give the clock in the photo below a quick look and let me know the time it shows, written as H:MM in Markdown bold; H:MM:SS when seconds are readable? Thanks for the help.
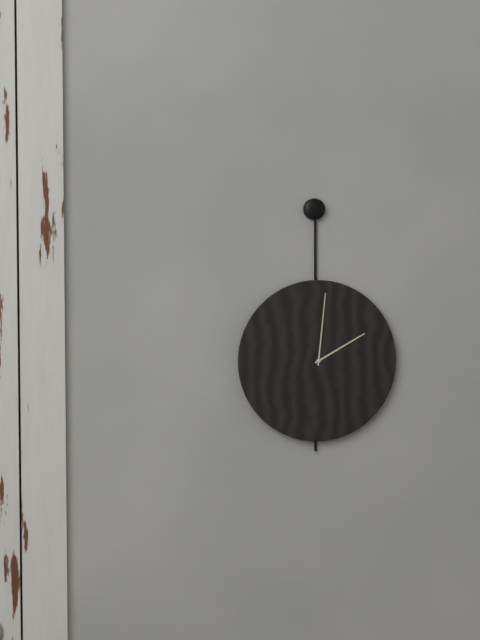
**2:01**
